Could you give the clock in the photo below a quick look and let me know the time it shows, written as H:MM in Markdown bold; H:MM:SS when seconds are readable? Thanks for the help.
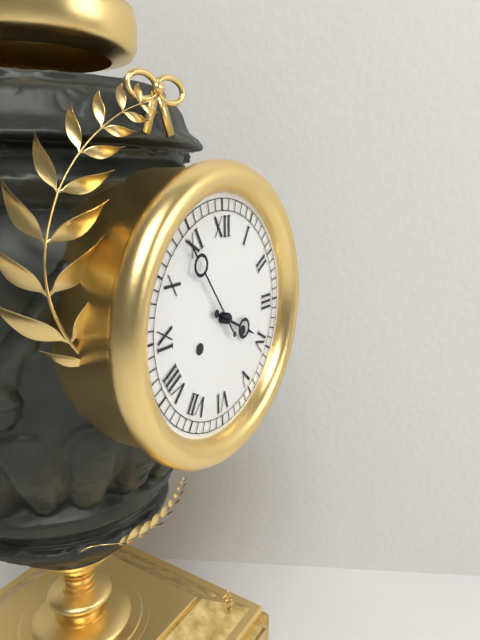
**3:54**
